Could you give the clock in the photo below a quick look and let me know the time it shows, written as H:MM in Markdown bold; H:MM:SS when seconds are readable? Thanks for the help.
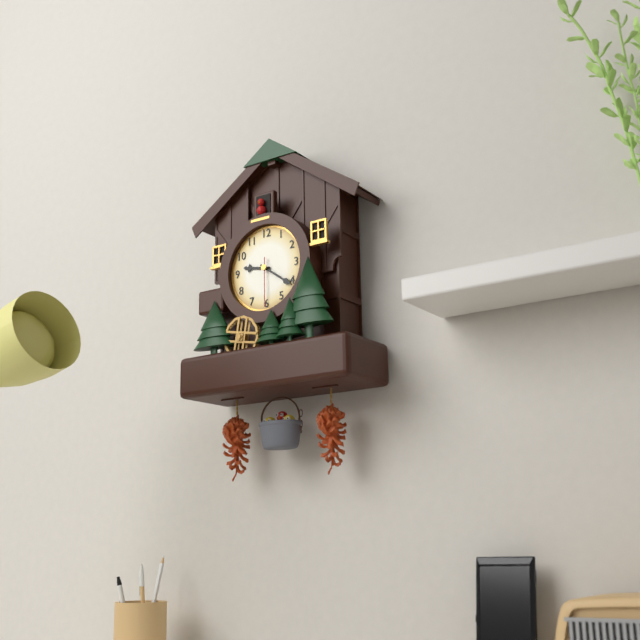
**9:21**
